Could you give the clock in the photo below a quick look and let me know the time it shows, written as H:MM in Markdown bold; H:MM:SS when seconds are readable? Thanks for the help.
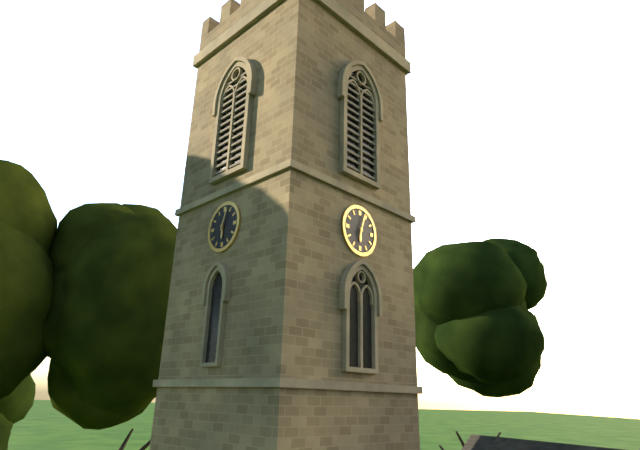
**6:03**
